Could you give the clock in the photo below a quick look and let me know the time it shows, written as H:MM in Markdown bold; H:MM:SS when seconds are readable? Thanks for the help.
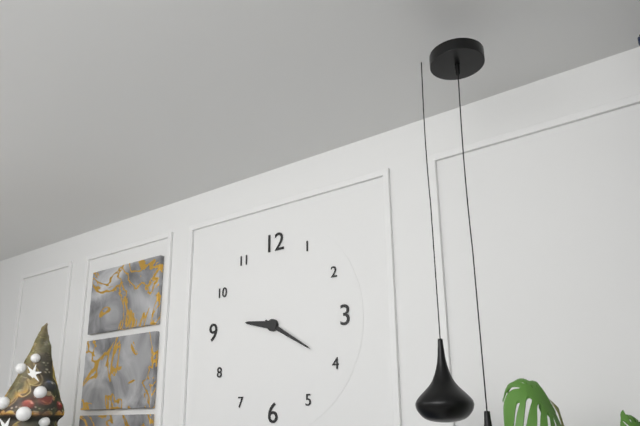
**9:20**
